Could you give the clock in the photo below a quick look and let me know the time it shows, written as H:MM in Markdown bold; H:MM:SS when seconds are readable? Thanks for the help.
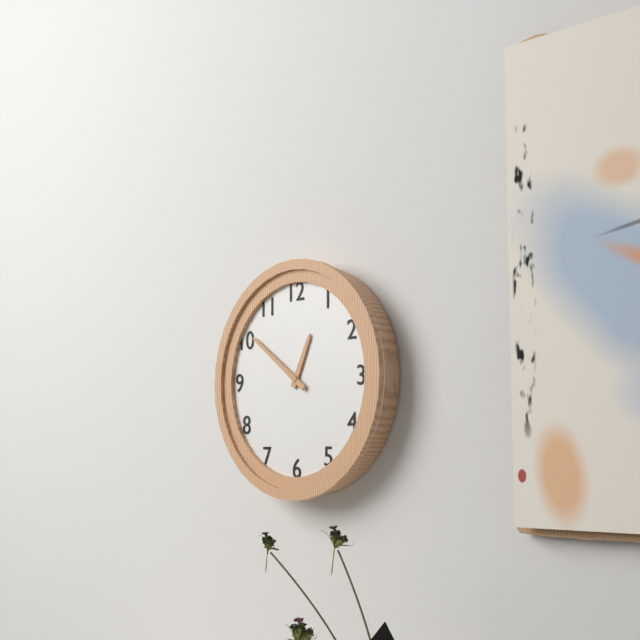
**12:51**
